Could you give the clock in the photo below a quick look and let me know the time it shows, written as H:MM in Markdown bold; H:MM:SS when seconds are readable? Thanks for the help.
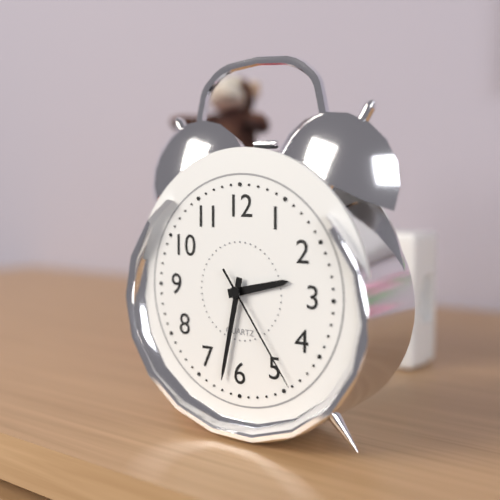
**2:32:24**
